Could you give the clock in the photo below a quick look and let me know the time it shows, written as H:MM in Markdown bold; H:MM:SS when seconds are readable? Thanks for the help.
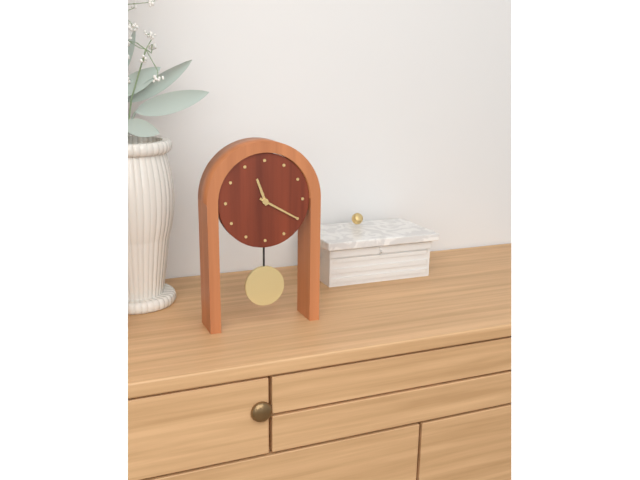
**11:20**
